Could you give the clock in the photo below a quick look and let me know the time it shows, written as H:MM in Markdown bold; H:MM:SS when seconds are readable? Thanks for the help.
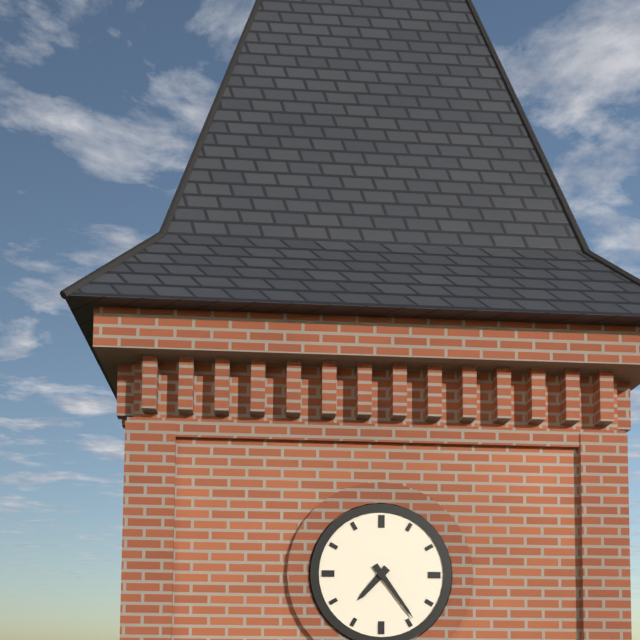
**7:24**
